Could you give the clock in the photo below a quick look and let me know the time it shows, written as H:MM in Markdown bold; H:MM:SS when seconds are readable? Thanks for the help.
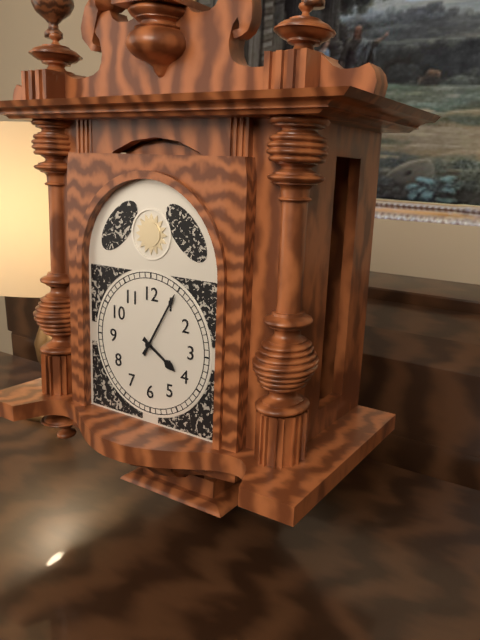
**4:05**
